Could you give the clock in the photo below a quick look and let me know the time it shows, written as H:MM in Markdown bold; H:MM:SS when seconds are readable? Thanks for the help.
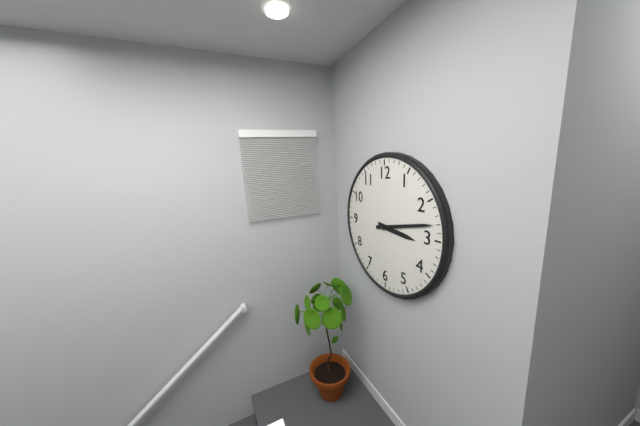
**3:13**
